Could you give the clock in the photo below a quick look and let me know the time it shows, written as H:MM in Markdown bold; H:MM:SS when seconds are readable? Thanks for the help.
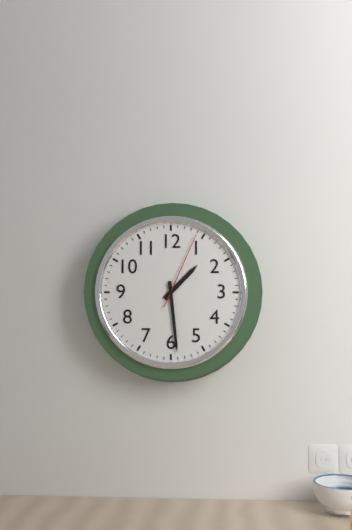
**1:29:04**
